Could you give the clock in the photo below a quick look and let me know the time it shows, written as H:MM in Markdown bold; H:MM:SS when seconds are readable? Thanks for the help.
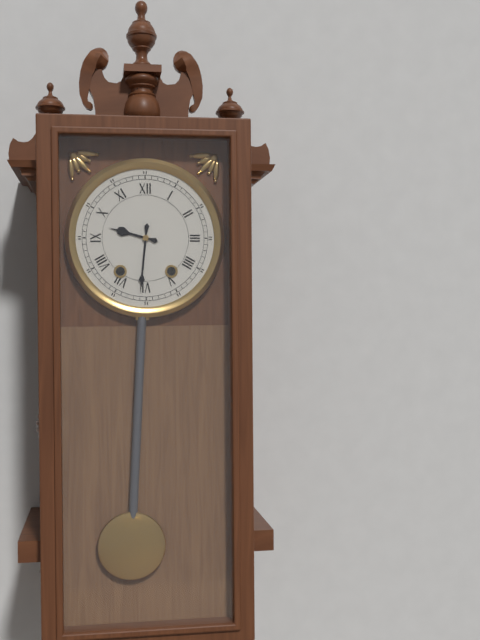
**9:31**
